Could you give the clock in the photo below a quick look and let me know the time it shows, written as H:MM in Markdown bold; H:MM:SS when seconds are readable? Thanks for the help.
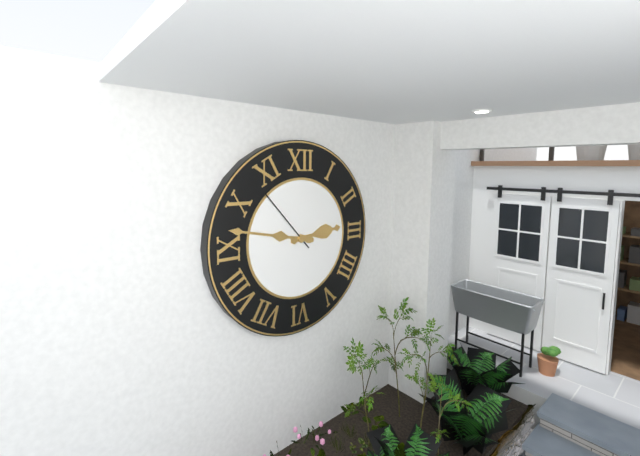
**2:47:53**
